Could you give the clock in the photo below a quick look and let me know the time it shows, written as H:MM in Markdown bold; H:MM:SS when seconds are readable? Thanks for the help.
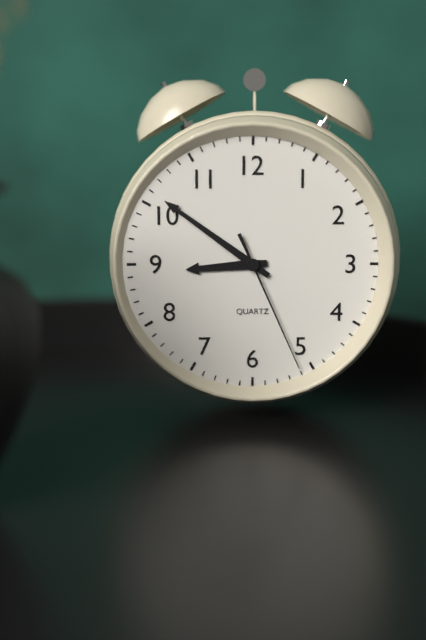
**8:51:26**
